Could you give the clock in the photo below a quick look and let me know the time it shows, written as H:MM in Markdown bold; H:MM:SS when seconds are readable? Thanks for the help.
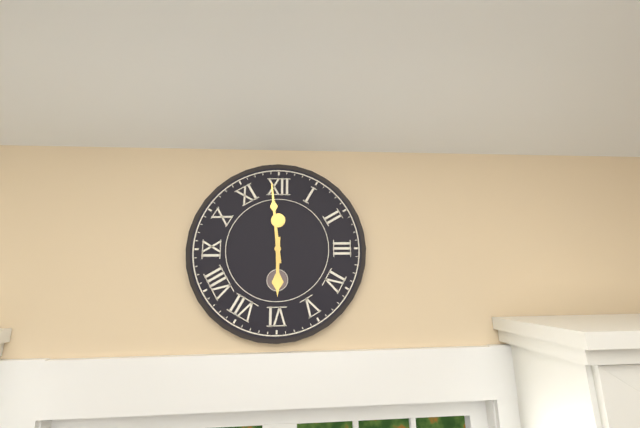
**5:59**
